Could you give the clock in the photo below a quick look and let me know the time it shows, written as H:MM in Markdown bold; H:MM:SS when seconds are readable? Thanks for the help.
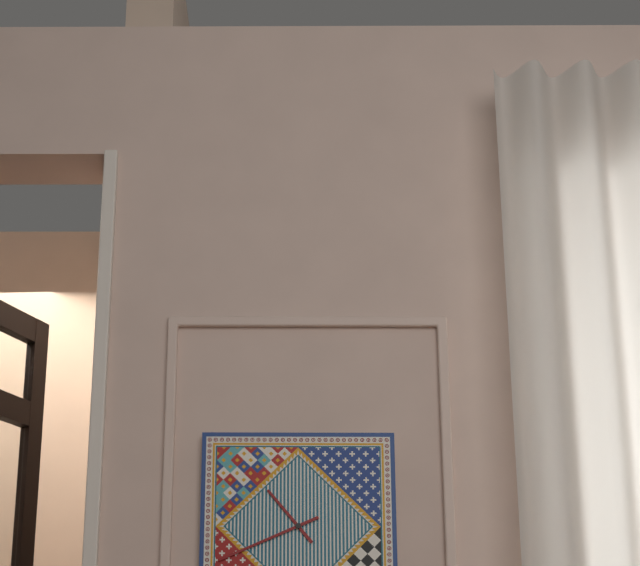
**10:41**
